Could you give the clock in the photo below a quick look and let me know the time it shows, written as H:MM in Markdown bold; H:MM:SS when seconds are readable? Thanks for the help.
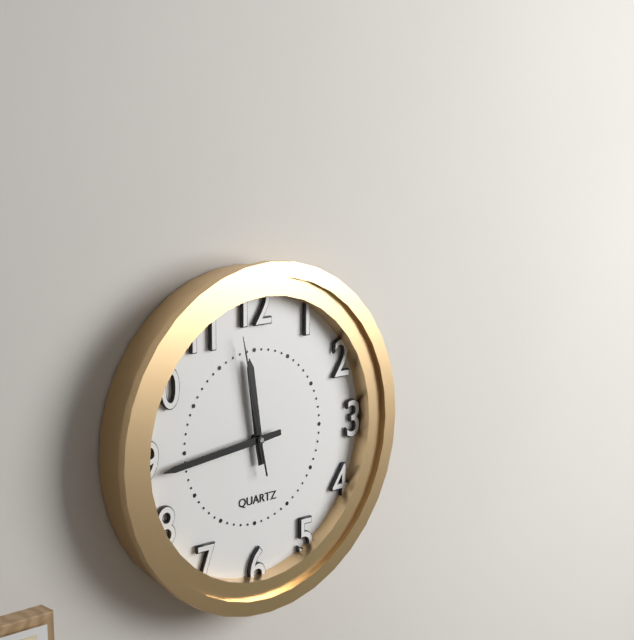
**11:44:58**
